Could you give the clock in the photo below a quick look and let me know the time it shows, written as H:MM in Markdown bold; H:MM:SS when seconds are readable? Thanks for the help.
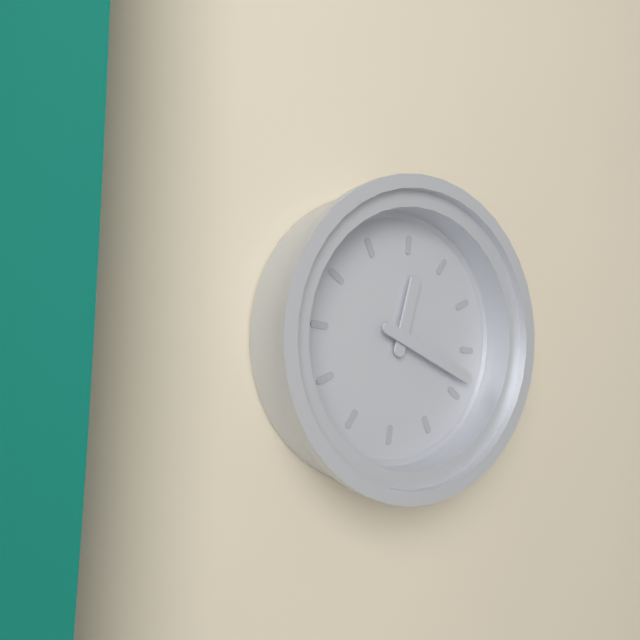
**12:18**
